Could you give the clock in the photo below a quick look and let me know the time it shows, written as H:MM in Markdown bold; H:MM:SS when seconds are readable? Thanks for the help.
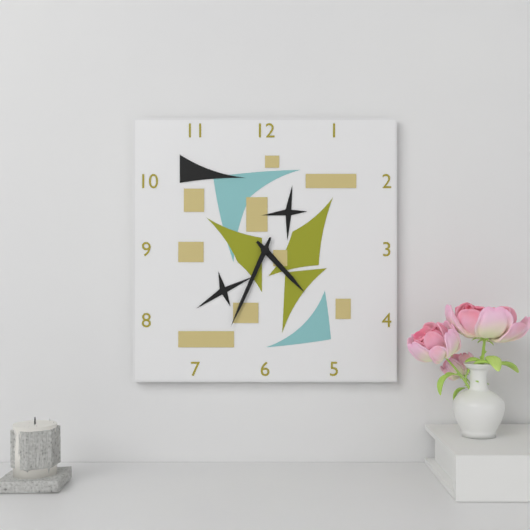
**4:34**
